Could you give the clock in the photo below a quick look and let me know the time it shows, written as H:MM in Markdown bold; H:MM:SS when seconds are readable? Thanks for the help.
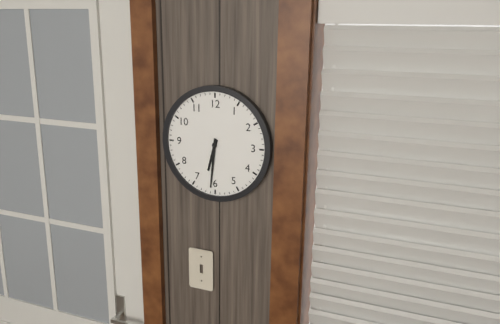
**6:31**
